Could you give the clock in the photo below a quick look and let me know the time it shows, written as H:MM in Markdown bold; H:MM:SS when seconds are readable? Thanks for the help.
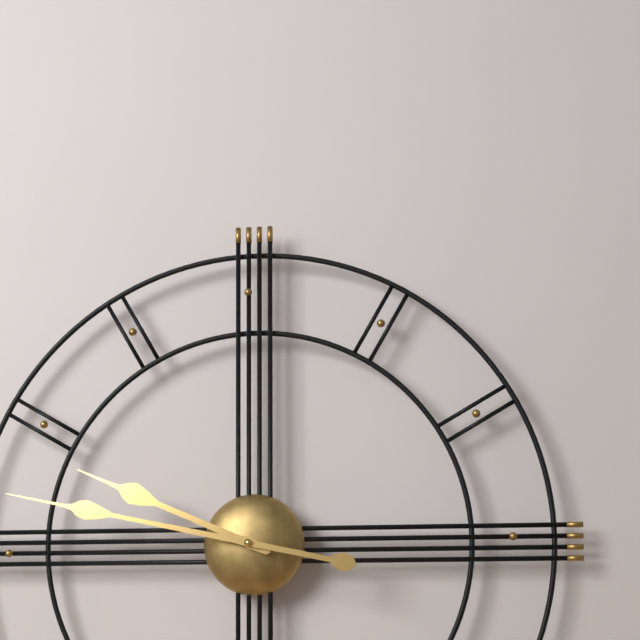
**9:47**
